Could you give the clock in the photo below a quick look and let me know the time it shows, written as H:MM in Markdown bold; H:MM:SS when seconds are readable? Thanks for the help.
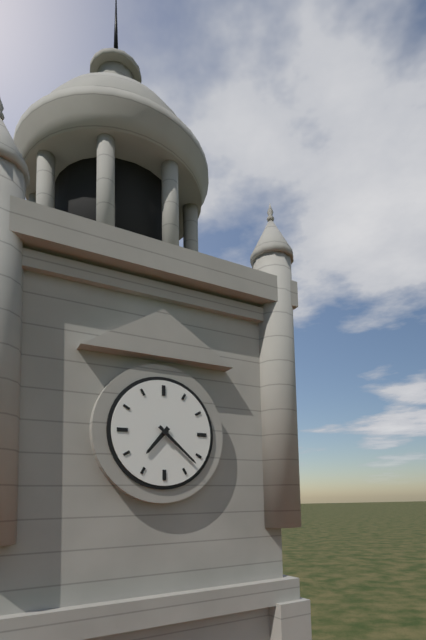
**7:22**
